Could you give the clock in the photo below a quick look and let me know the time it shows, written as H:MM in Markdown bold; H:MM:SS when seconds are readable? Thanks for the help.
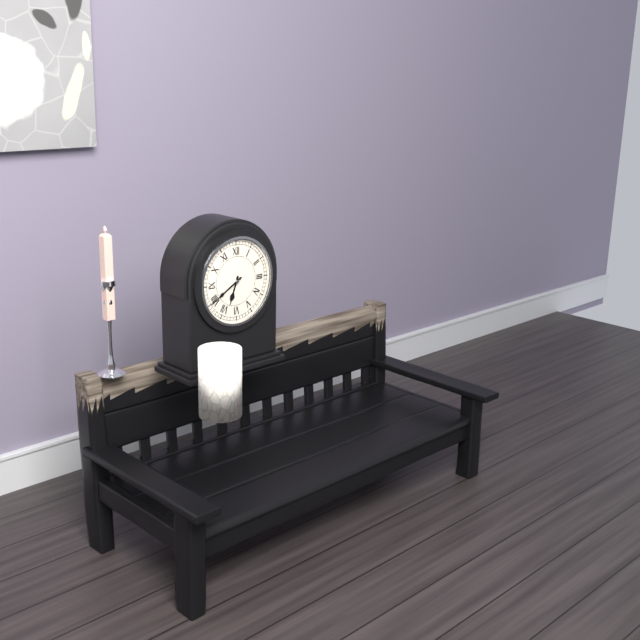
**6:40**
